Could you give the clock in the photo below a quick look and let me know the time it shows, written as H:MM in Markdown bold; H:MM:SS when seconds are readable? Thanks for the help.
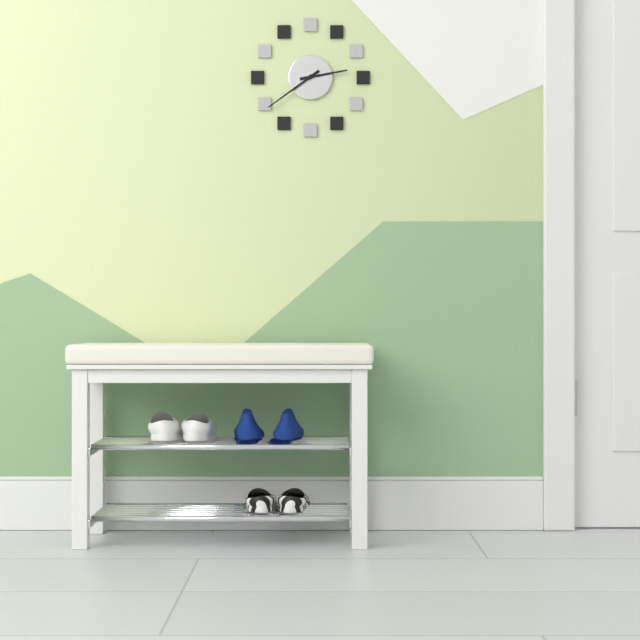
**2:39**
